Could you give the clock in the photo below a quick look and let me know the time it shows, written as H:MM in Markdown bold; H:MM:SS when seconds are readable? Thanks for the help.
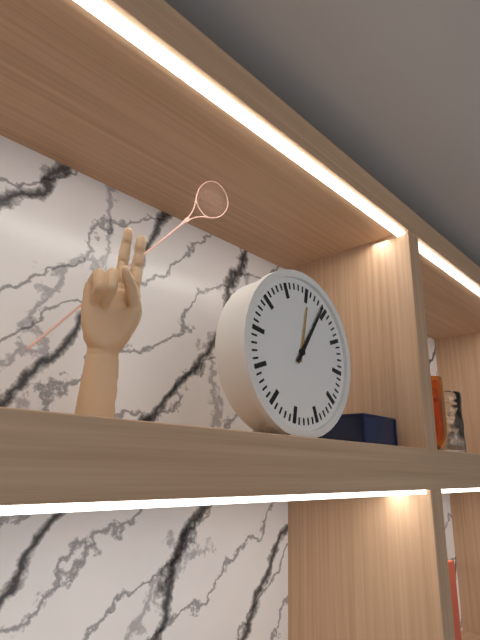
**12:04**
